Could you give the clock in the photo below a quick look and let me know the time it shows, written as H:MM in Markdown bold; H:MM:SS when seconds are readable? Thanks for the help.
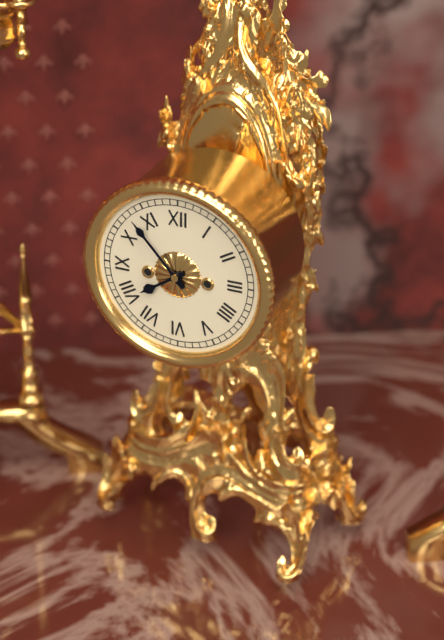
**7:53**
